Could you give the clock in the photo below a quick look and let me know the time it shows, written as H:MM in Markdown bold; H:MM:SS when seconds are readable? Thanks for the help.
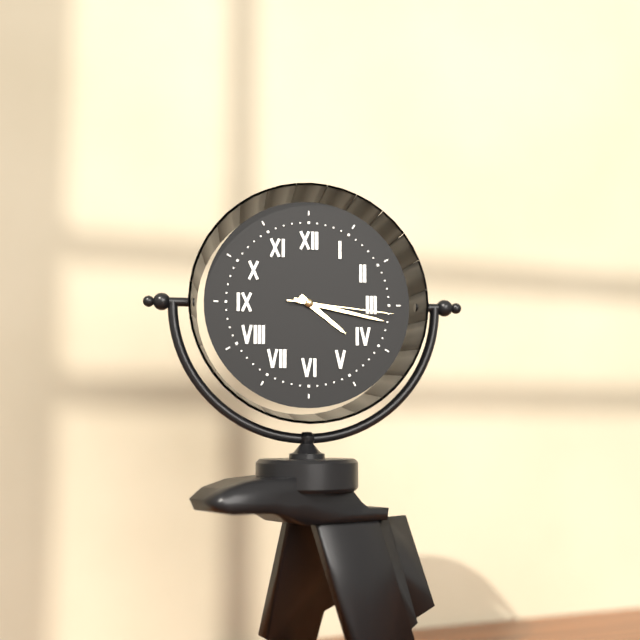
**4:17:16**
